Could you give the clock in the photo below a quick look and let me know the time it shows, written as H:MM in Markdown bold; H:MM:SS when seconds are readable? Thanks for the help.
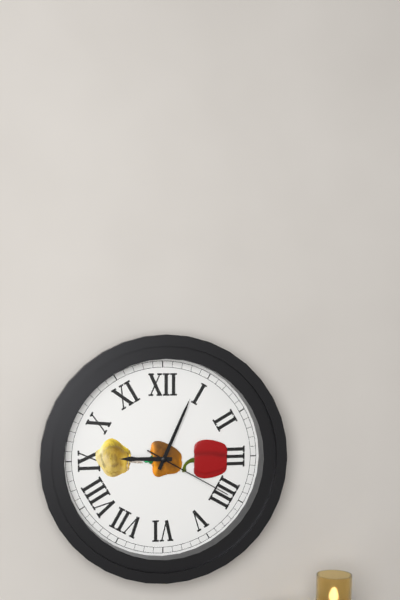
**9:04:20**
